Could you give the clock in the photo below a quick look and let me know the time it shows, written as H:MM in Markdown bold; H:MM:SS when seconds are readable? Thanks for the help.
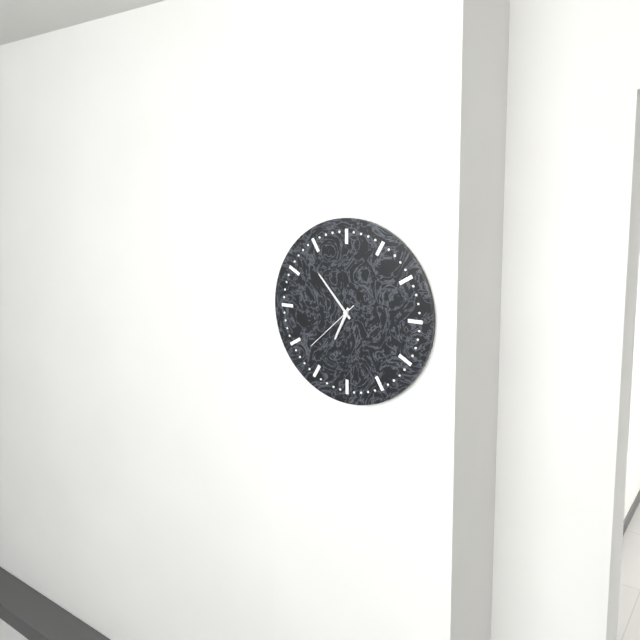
**6:53:38**
